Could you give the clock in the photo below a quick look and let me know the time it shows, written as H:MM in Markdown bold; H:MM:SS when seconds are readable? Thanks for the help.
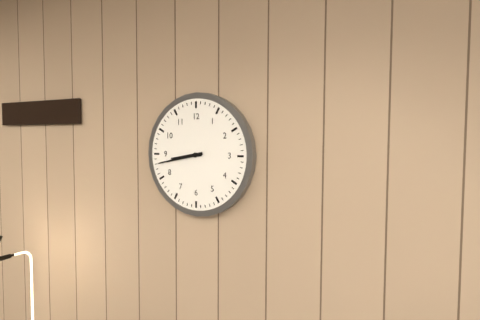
**8:43**
